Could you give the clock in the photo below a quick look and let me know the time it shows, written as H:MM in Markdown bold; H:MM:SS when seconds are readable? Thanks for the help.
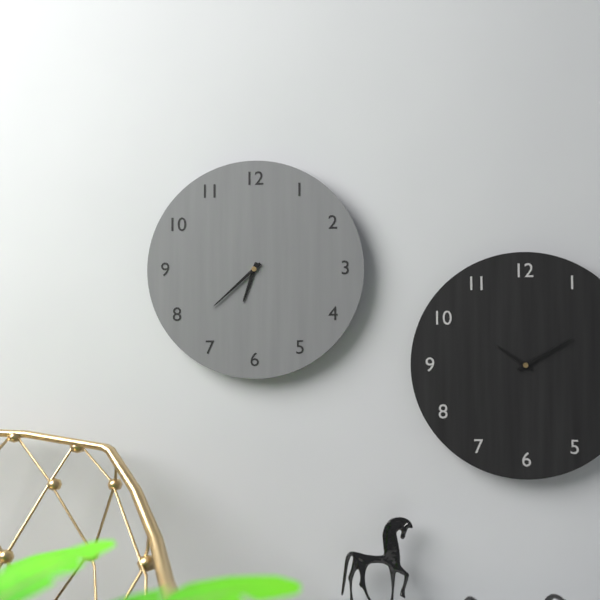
**6:38**
